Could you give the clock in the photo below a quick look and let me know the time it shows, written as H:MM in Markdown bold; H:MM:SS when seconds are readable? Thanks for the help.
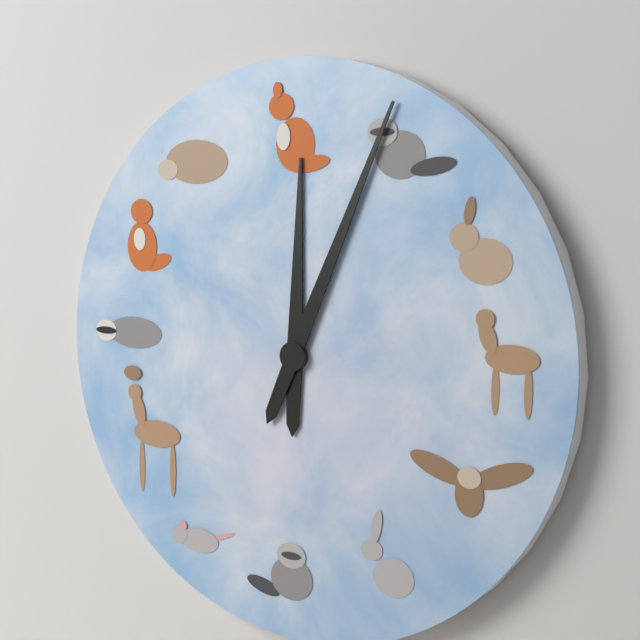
**12:04**
